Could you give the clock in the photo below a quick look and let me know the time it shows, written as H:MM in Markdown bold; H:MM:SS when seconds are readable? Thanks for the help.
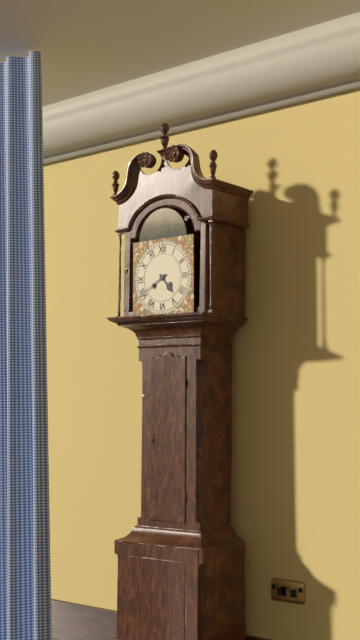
**4:40**
